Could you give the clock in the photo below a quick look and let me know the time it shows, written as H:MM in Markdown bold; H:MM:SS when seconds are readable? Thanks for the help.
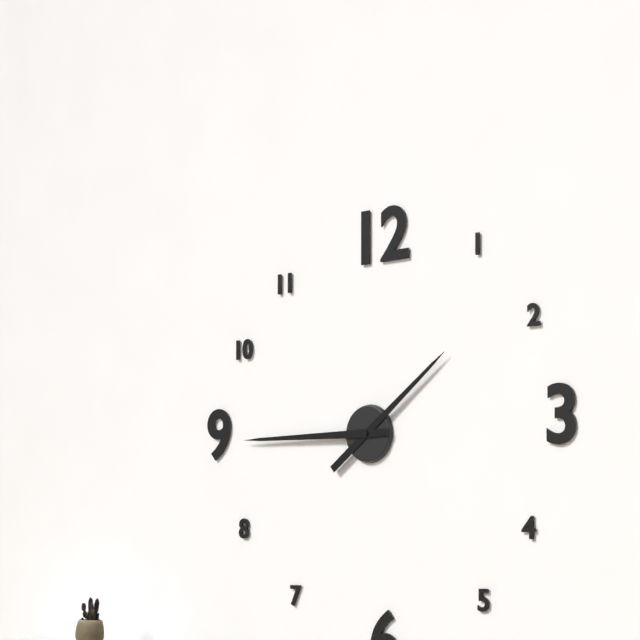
**1:45**
